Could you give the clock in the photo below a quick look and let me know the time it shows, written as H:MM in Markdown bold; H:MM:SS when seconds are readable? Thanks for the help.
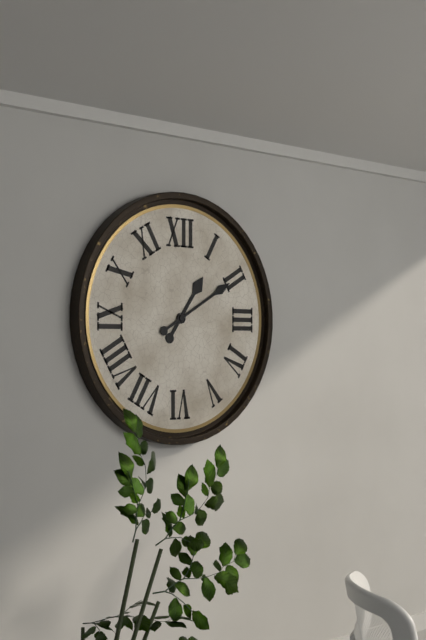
**1:10**
